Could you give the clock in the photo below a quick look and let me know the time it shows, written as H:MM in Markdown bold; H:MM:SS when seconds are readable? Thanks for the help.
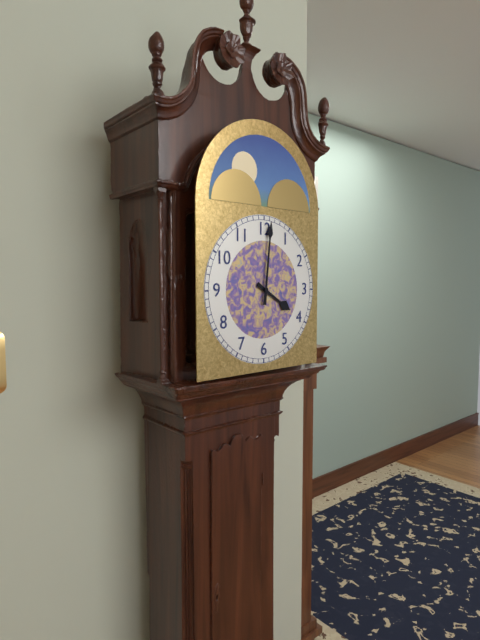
**4:01**
